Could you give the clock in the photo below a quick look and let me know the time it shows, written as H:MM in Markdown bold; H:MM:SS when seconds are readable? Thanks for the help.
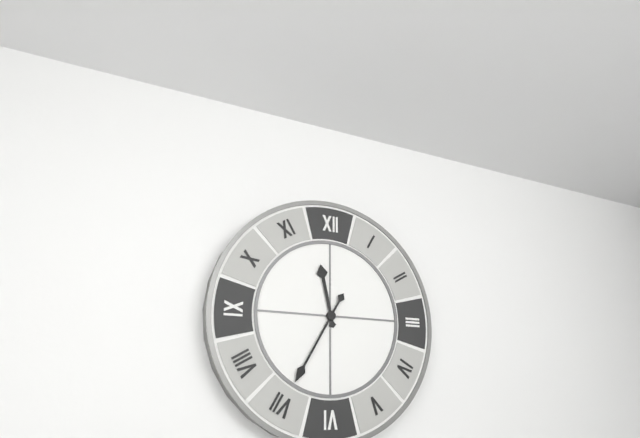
**11:35**
